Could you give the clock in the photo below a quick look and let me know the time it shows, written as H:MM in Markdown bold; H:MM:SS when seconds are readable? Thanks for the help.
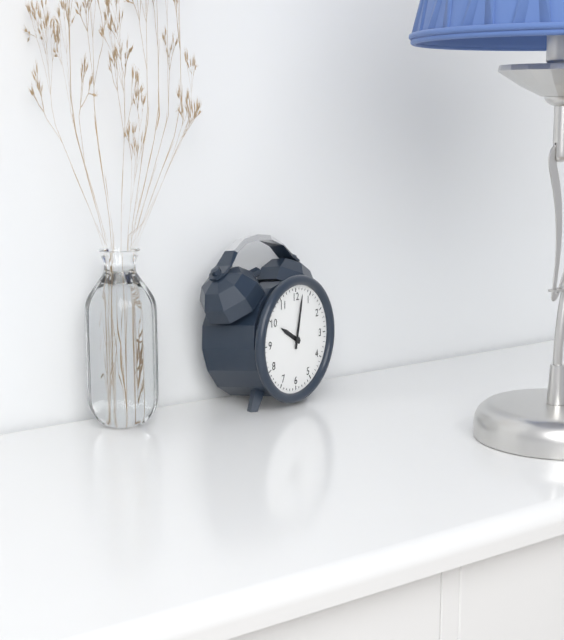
**10:02**
